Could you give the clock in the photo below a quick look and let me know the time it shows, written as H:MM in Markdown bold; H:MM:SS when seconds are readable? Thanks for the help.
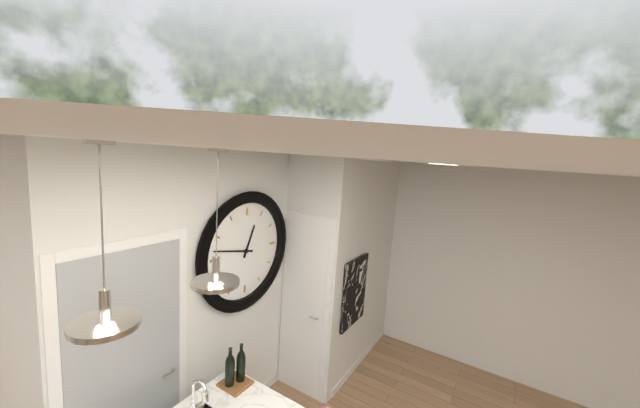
**12:47**
